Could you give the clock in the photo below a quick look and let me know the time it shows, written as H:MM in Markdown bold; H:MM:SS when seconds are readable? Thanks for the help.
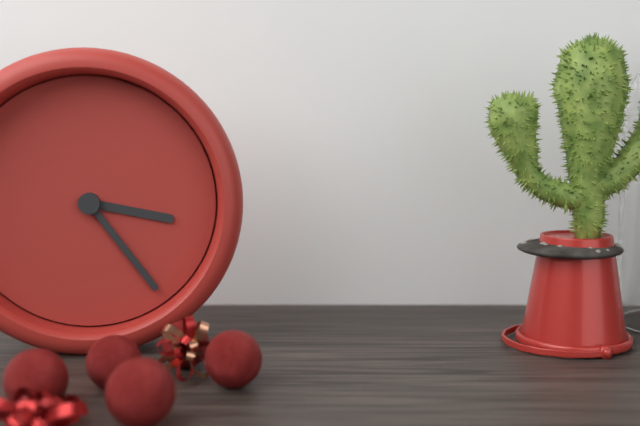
**3:24**
